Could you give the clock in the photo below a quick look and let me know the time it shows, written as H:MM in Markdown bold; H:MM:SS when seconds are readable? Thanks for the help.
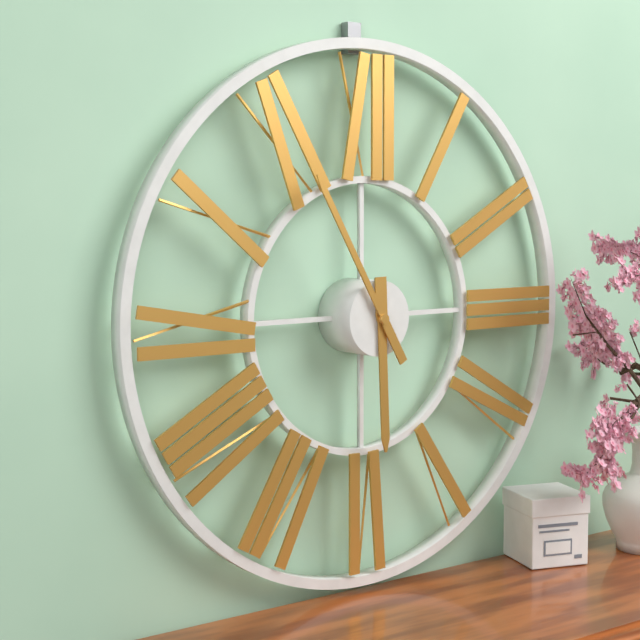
**5:55**
